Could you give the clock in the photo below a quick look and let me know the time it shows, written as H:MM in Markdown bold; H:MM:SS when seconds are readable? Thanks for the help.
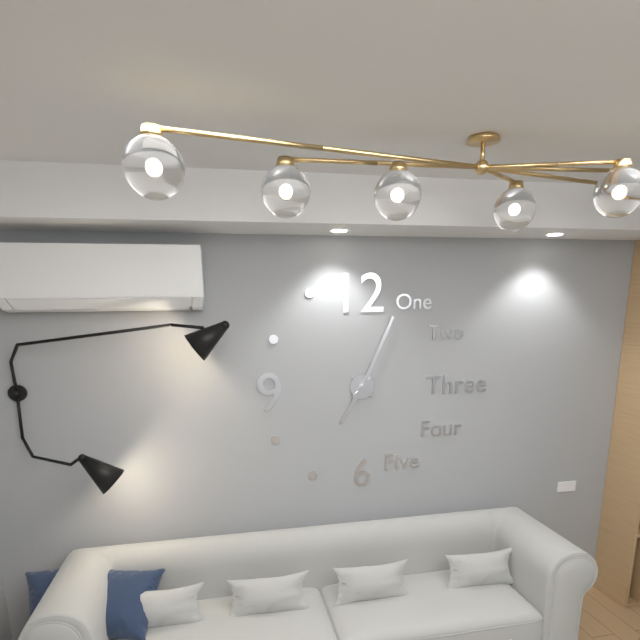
**7:04**
